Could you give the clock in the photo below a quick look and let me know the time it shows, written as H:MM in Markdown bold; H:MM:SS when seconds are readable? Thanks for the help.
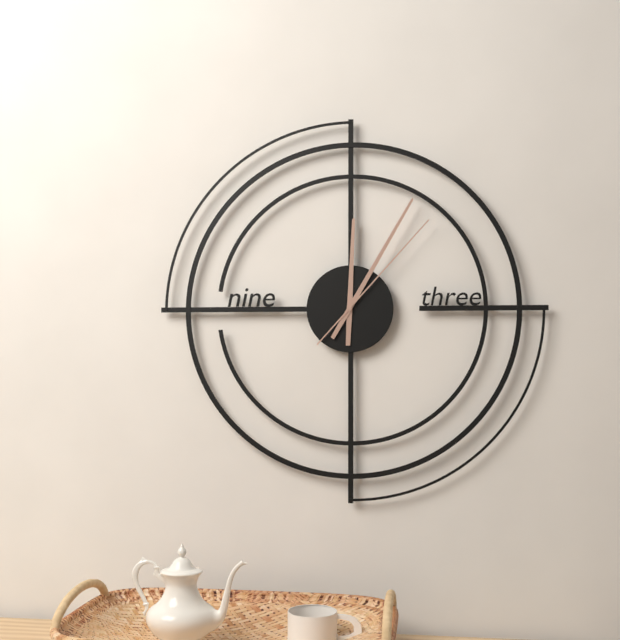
**12:05:07**
